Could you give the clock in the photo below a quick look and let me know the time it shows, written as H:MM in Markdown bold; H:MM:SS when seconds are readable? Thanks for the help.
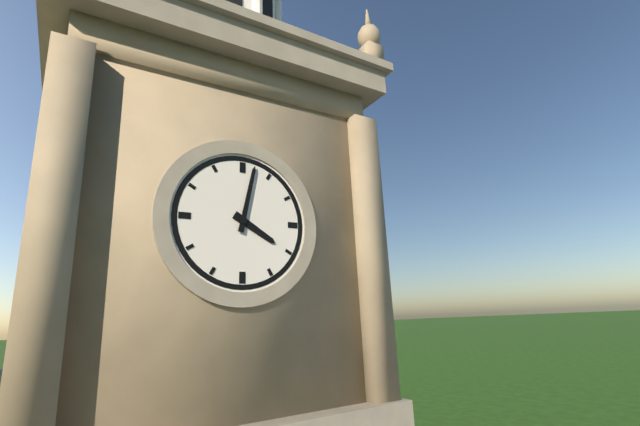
**4:02**
